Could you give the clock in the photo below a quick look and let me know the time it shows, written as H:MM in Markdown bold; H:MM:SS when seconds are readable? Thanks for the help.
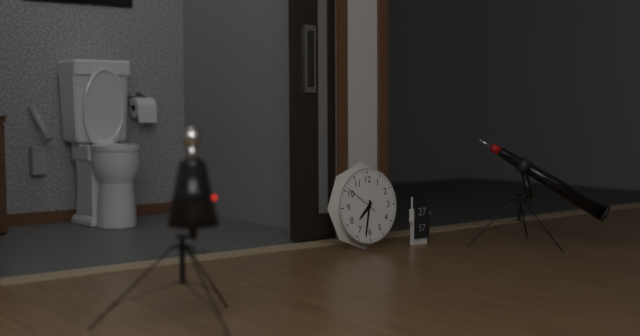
**7:32**
